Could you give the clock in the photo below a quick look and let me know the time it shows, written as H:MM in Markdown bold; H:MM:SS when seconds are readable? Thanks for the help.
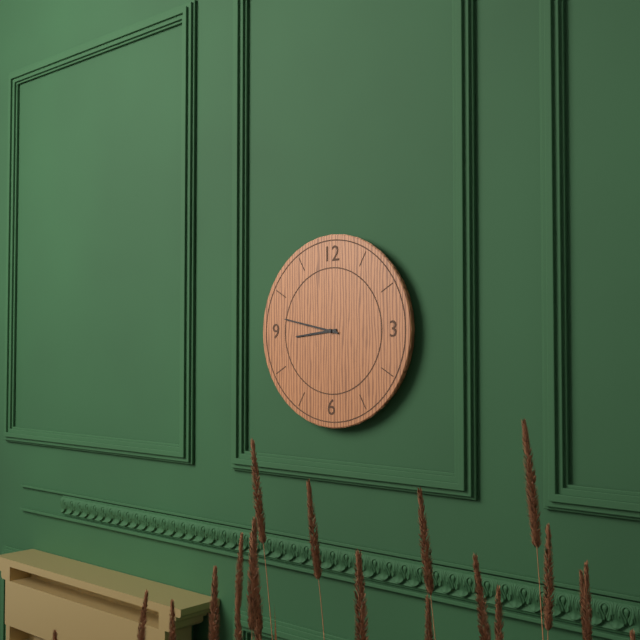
**8:47**
